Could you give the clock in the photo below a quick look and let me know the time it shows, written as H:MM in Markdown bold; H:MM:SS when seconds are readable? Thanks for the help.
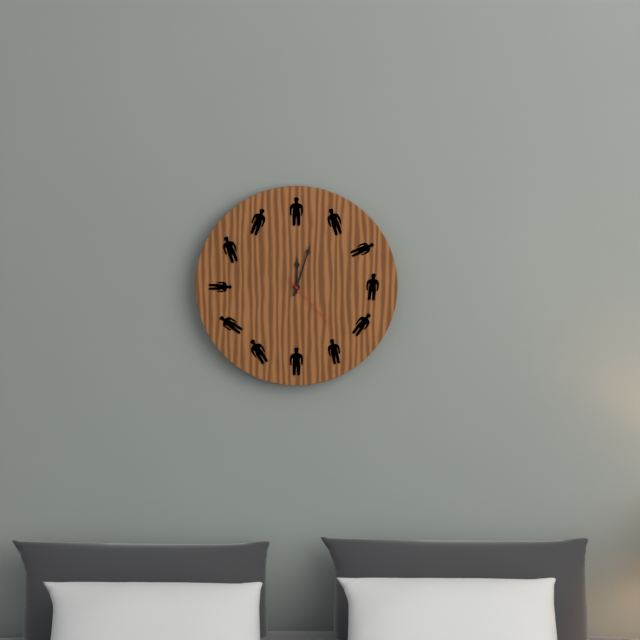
**12:03:23**
